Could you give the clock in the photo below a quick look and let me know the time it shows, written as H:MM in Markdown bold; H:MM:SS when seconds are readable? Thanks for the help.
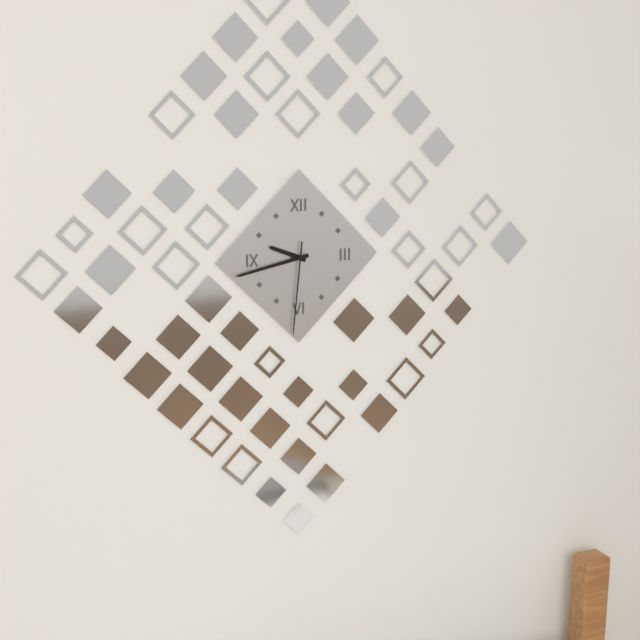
**9:43:31**
